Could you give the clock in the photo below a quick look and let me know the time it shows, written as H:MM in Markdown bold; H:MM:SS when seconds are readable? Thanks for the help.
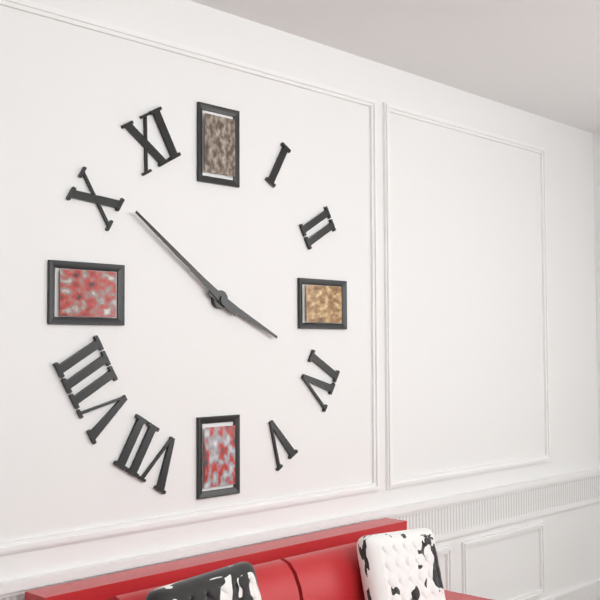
**3:51**
